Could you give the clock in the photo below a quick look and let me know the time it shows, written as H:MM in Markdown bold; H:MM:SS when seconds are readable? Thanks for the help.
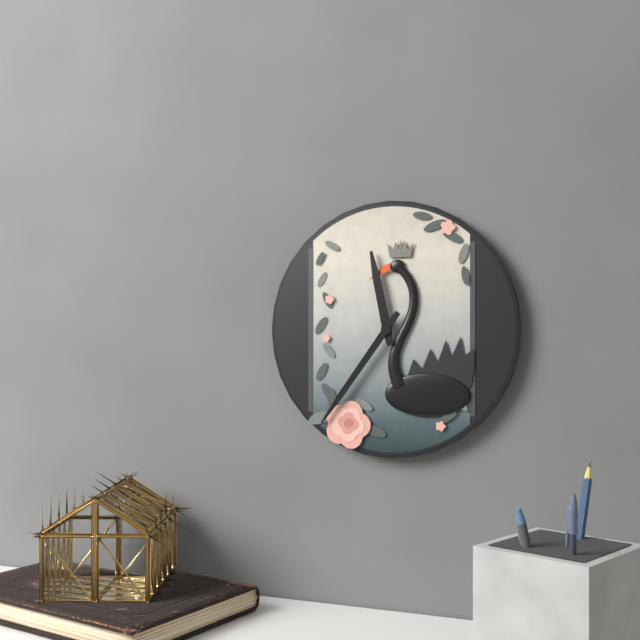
**11:36**
